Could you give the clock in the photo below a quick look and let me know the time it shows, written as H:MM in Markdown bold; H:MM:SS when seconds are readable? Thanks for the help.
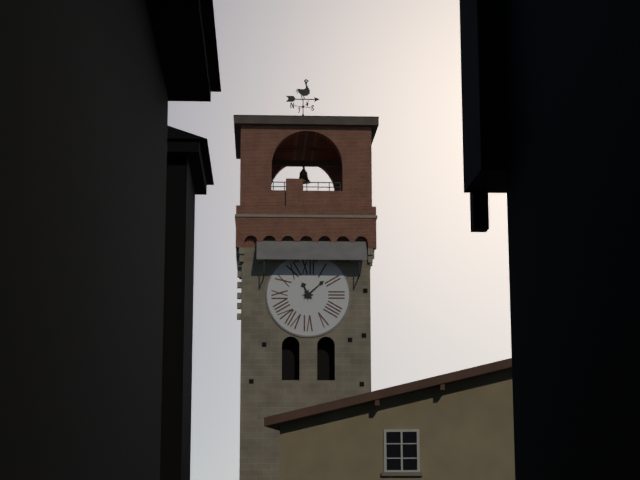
**11:08**
